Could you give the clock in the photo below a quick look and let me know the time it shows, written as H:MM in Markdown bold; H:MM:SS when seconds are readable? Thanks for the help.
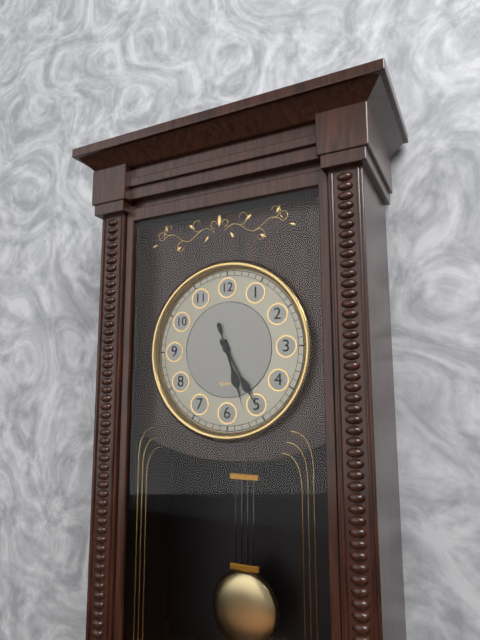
**5:25:27**
